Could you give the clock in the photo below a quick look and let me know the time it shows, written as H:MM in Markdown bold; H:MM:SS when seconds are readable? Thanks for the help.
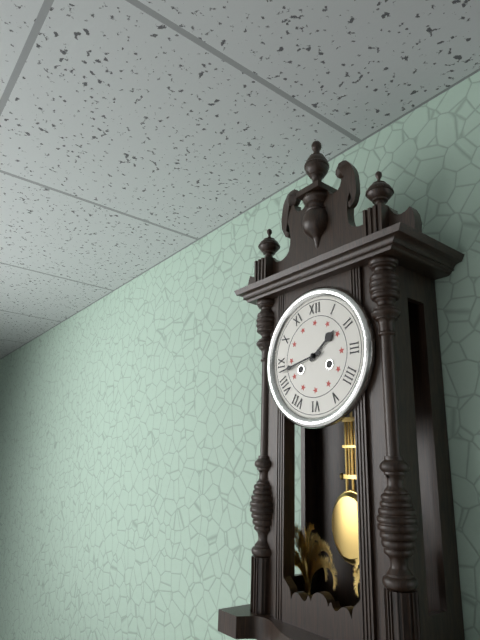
**1:43**
